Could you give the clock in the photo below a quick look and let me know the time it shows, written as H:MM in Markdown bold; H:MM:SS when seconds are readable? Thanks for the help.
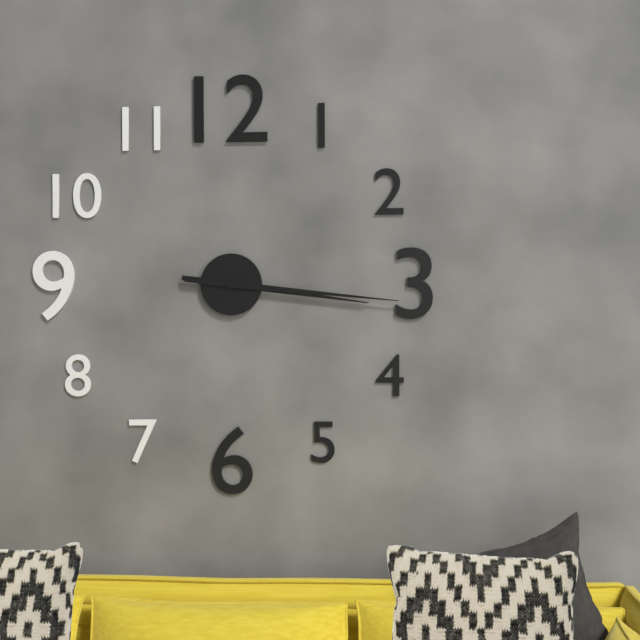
**3:16**
